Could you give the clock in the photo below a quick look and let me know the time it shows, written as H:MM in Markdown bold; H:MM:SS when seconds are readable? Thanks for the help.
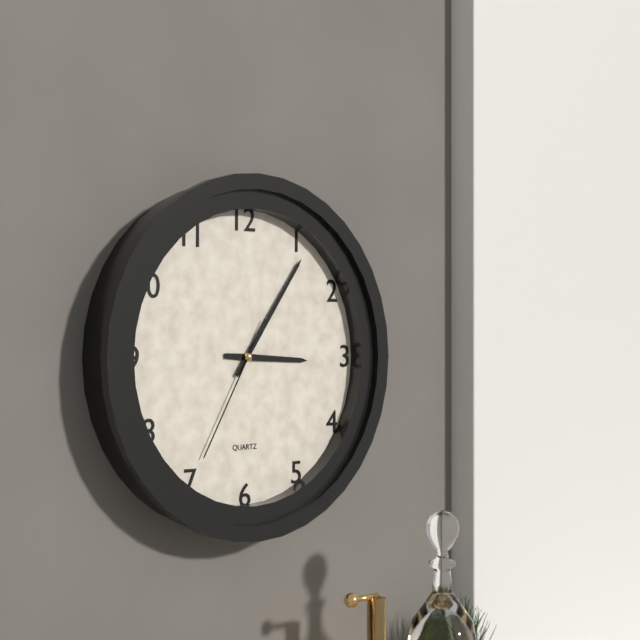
**3:06:35**
